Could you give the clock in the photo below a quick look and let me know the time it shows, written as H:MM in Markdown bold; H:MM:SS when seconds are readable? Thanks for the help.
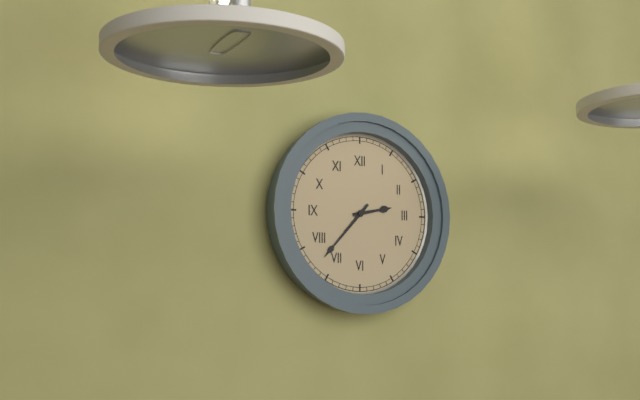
**2:37**
